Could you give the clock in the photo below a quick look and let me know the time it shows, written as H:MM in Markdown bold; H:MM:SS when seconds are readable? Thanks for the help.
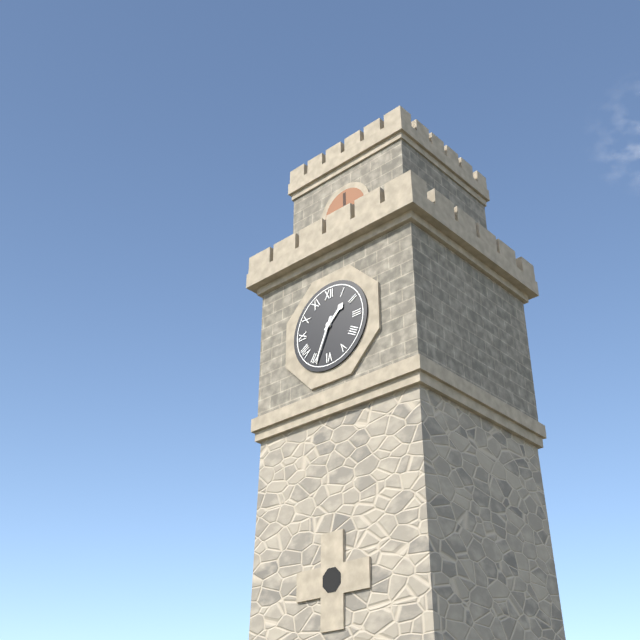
**1:34**
